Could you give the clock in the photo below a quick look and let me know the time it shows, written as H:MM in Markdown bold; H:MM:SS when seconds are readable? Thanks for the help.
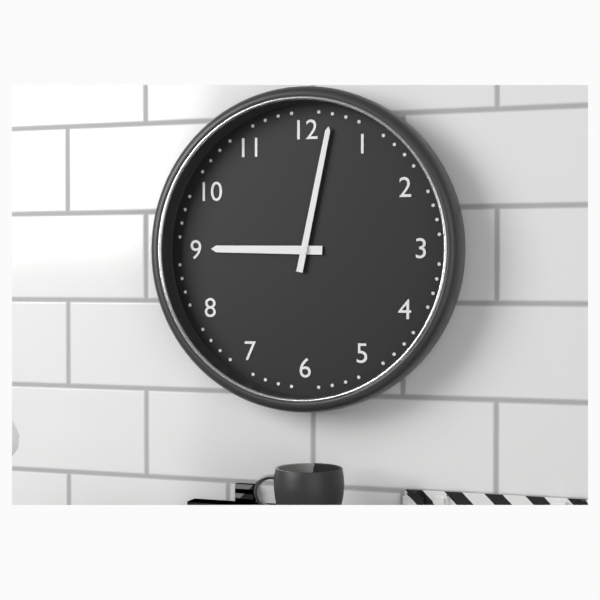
**9:02**
